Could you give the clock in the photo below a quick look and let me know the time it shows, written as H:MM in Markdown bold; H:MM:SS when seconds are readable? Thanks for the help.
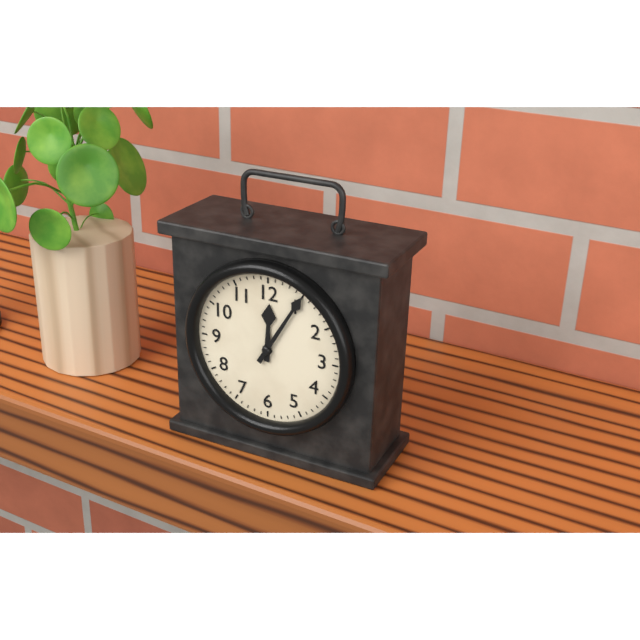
**12:05**
